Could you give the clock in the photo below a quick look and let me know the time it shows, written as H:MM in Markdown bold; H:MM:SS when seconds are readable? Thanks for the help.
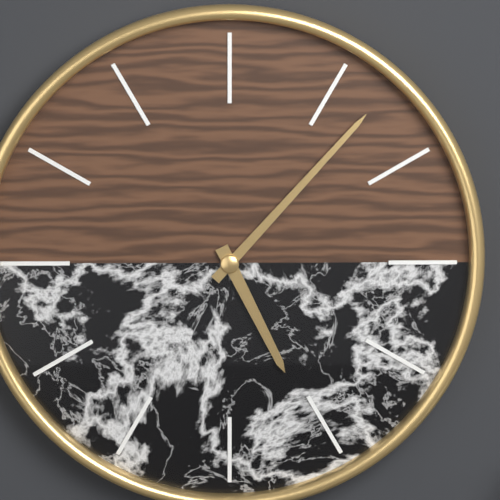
**5:07**
